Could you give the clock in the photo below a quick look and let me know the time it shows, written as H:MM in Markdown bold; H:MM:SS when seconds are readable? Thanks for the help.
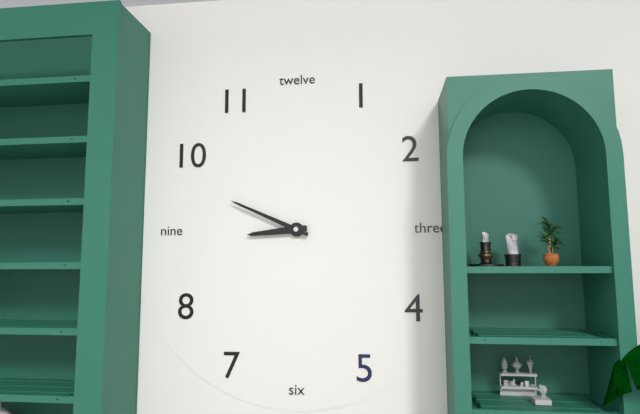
**8:49**
